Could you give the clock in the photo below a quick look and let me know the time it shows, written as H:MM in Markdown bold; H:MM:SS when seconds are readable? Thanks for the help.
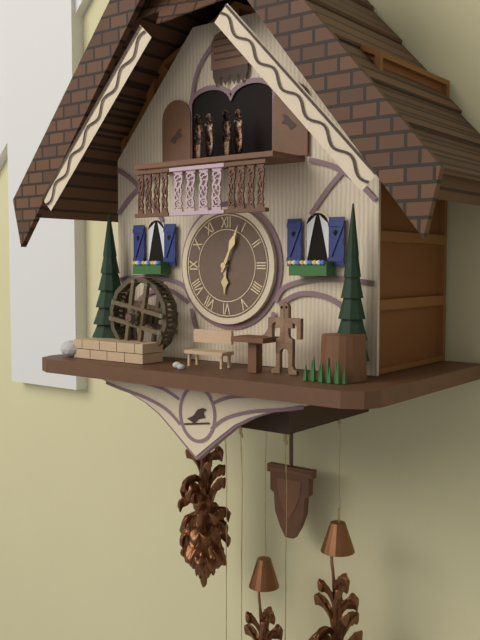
**6:04**
